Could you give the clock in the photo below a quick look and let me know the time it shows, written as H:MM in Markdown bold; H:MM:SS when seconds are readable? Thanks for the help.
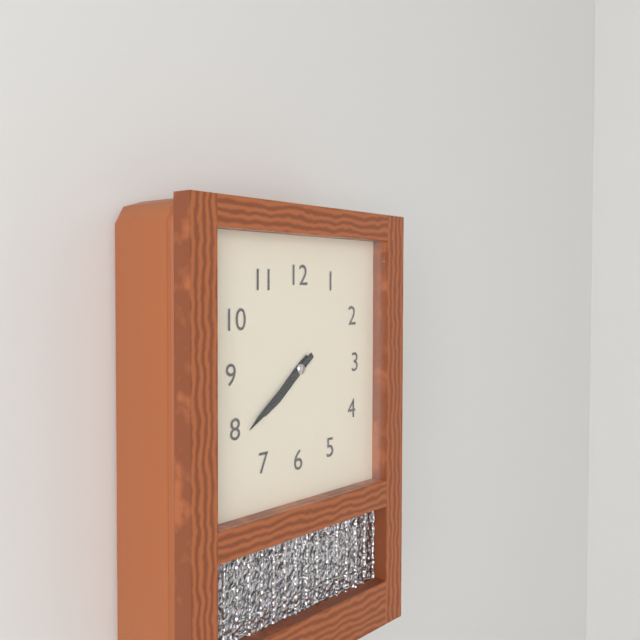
**7:39**
